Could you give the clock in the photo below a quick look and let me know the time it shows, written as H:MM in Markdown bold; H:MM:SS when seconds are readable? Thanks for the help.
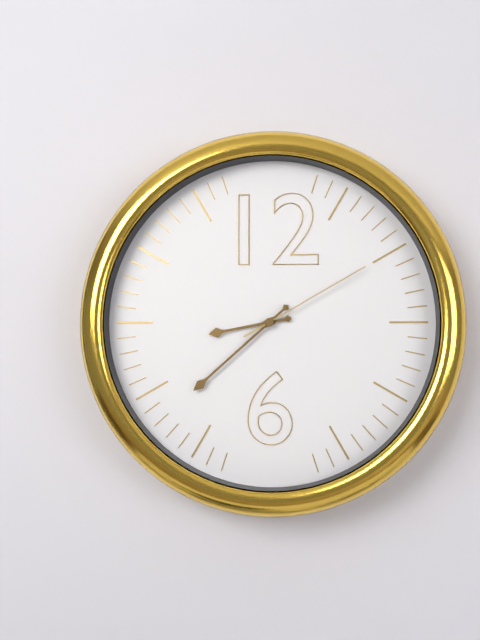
**8:38:10**
